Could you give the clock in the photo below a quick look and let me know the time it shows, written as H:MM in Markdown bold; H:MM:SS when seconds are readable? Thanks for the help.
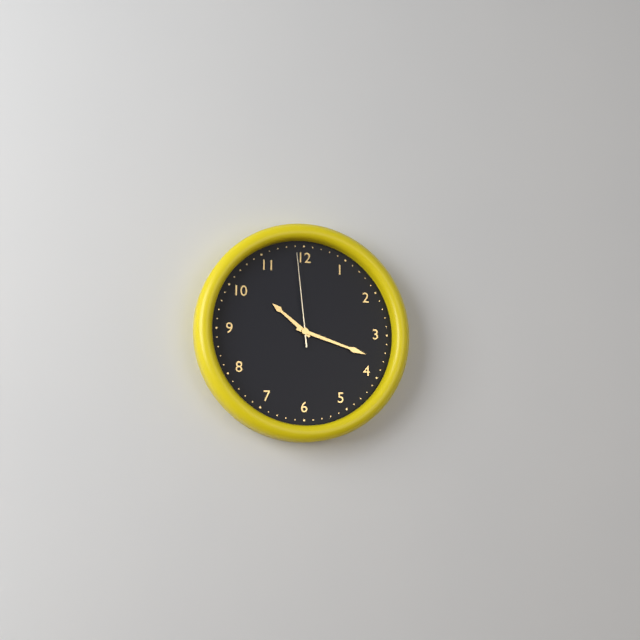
**10:18:59**
